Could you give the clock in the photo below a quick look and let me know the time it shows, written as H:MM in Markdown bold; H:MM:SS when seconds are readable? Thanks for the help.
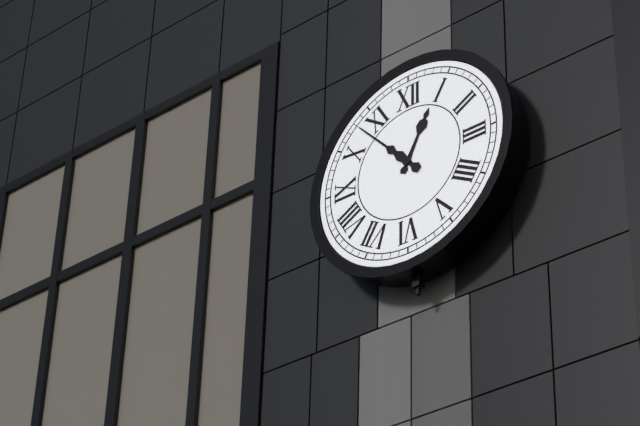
**12:53**
